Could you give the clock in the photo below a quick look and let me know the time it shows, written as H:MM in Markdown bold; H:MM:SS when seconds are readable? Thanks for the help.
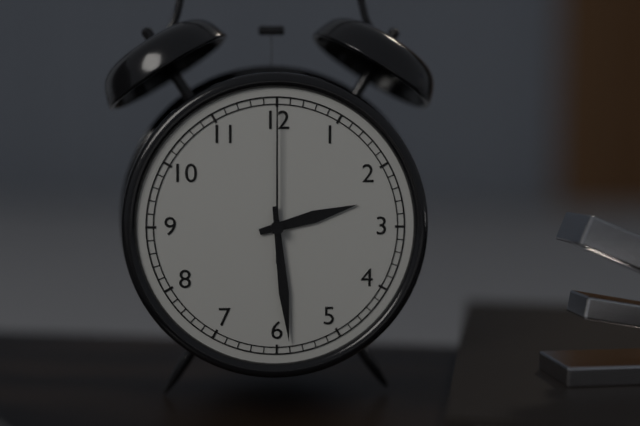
**2:29:00**
